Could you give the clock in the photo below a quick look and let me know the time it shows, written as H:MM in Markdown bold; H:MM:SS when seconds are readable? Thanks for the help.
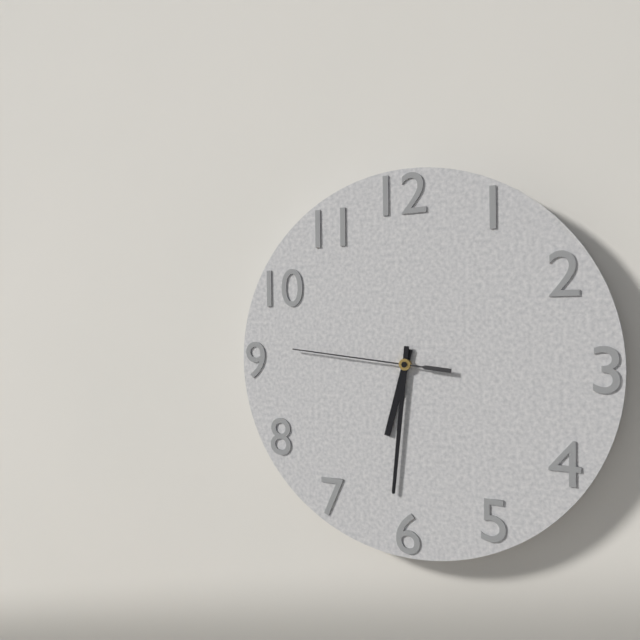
**6:31:46**
